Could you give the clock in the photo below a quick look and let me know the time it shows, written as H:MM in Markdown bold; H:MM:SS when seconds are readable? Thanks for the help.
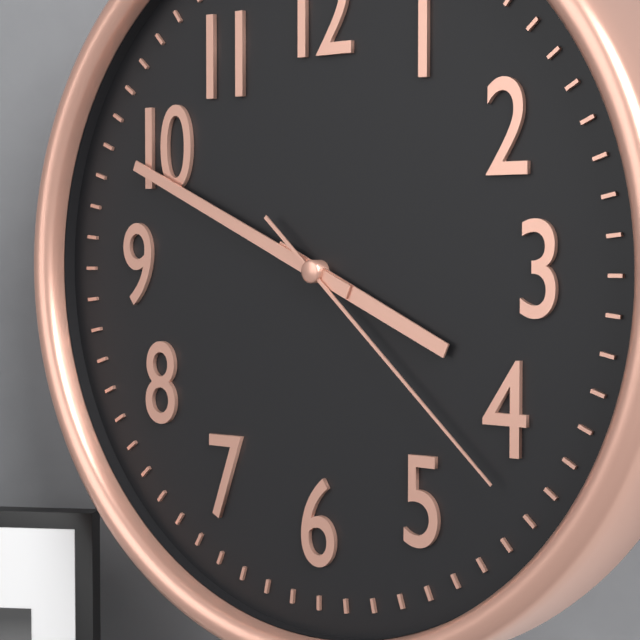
**3:49:22**
